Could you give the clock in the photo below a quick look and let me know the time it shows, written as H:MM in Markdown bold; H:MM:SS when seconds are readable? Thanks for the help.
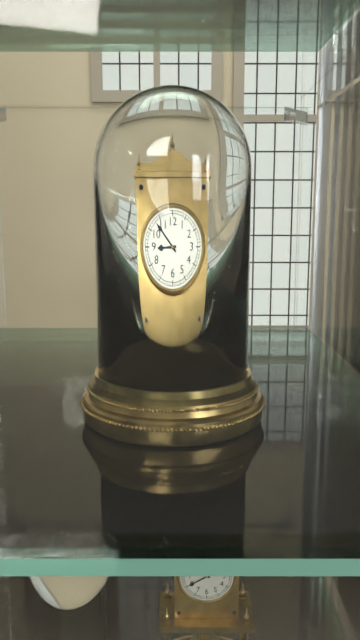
**8:53**
